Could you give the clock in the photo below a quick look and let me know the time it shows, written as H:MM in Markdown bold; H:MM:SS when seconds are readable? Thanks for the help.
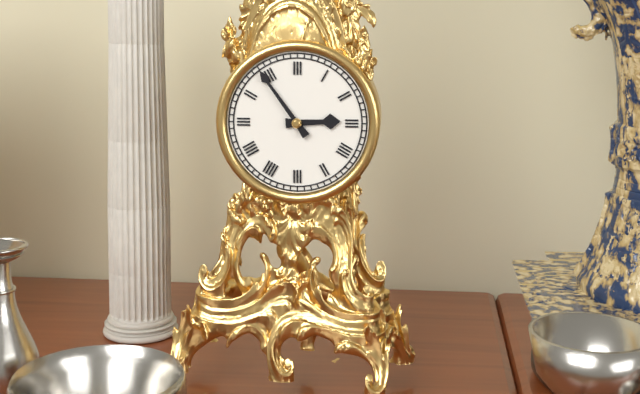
**2:54**
